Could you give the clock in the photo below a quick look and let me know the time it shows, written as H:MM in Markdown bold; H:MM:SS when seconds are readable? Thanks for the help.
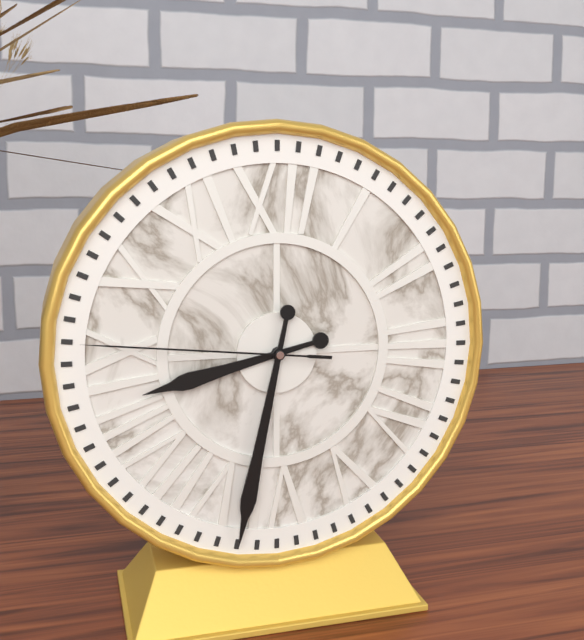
**8:32:46**
